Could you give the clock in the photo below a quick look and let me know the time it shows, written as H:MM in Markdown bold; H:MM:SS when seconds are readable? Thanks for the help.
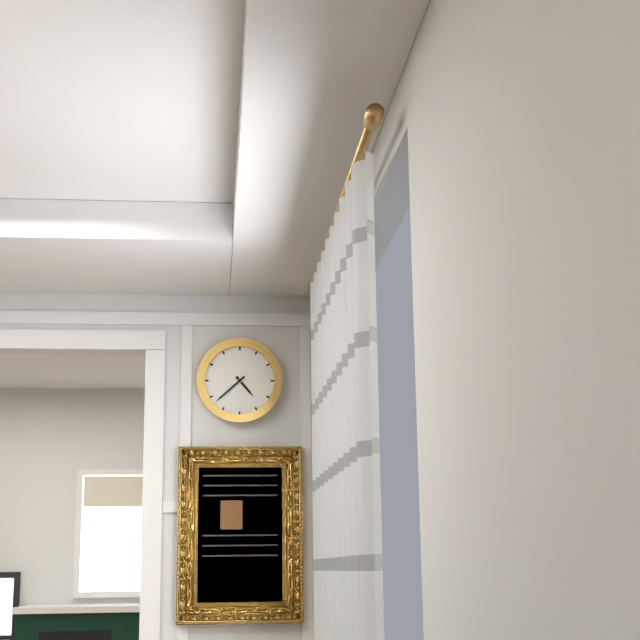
**4:38**
